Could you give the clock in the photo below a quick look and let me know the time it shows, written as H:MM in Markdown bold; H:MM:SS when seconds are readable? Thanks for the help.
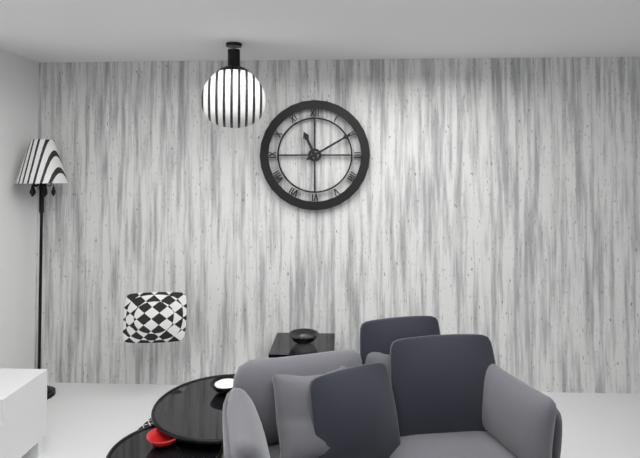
**11:10**
